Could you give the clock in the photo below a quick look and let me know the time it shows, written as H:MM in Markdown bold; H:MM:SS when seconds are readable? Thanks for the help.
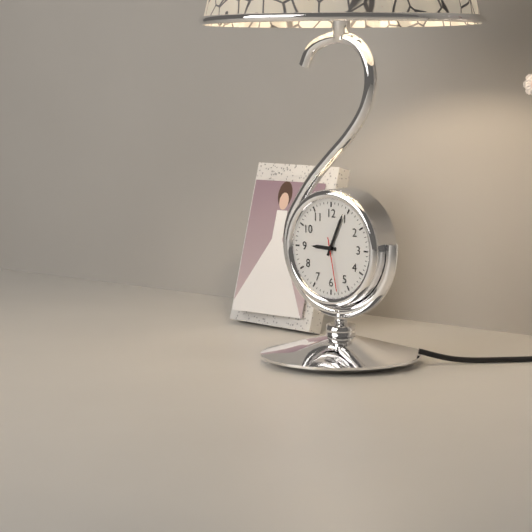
**9:04:28**
